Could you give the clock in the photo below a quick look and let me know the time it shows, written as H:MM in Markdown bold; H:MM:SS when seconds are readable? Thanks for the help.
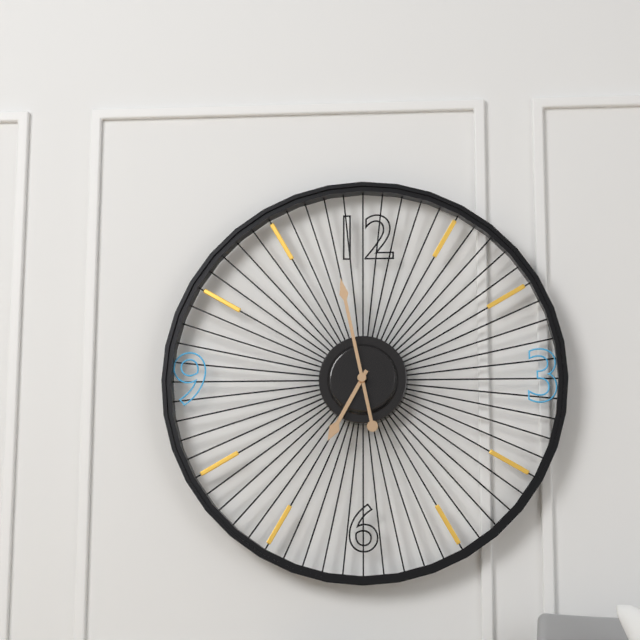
**6:58**
